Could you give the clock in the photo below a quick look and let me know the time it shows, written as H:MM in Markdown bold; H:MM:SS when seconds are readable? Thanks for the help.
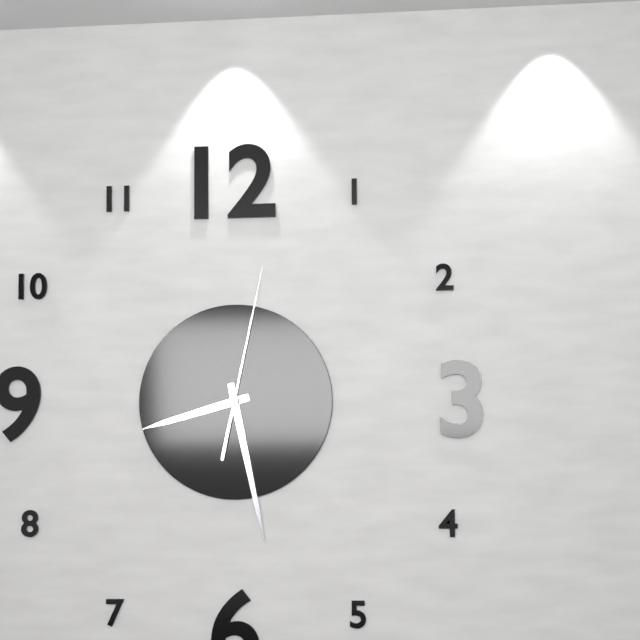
**8:28:02**
